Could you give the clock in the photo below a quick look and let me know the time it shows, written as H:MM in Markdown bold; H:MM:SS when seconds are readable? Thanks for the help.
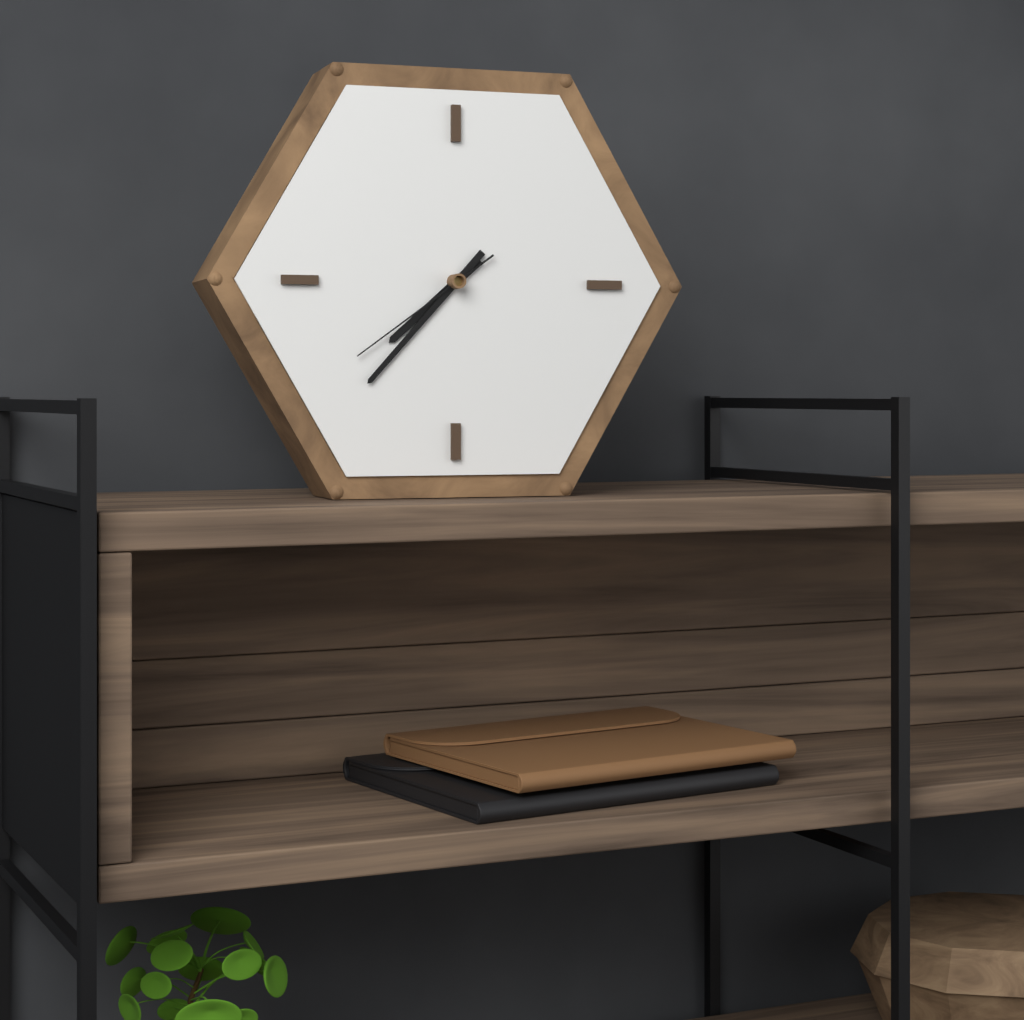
**7:37:39**
